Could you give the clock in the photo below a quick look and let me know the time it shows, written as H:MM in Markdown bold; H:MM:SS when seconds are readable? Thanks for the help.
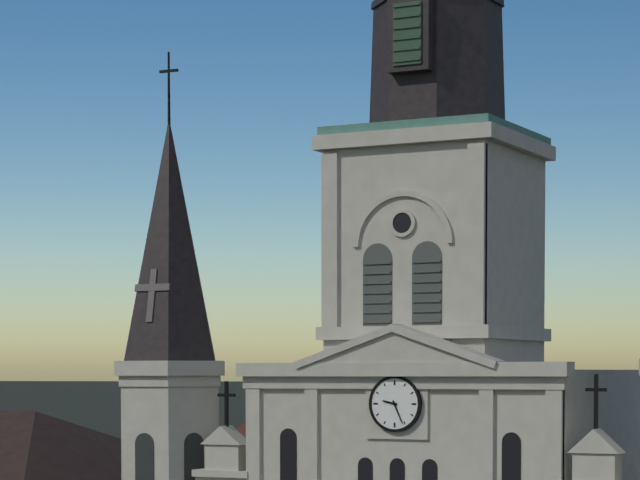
**9:26**
